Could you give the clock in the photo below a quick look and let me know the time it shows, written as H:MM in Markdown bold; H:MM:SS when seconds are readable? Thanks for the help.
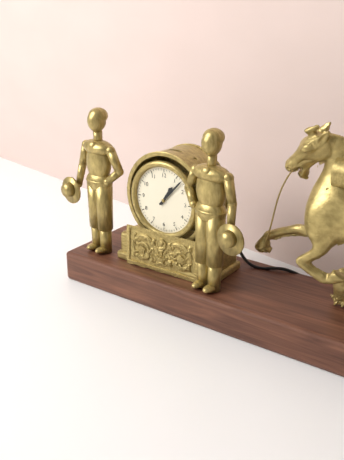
**1:07**
